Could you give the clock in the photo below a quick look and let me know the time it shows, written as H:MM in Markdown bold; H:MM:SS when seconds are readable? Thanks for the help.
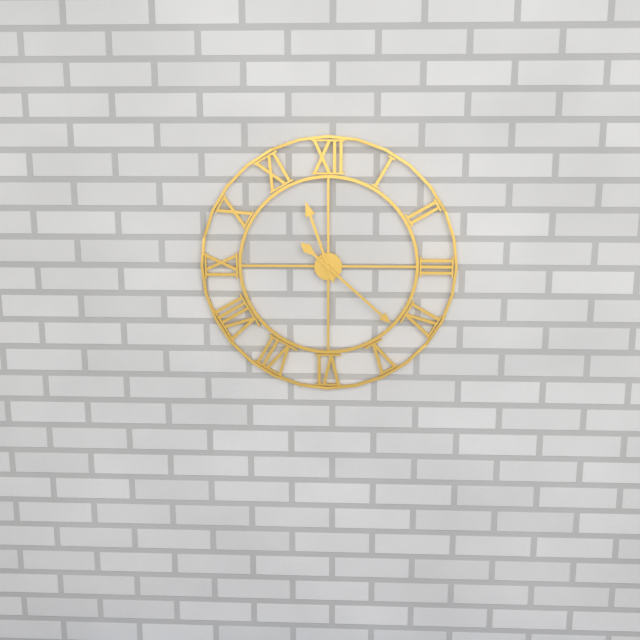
**11:22**
